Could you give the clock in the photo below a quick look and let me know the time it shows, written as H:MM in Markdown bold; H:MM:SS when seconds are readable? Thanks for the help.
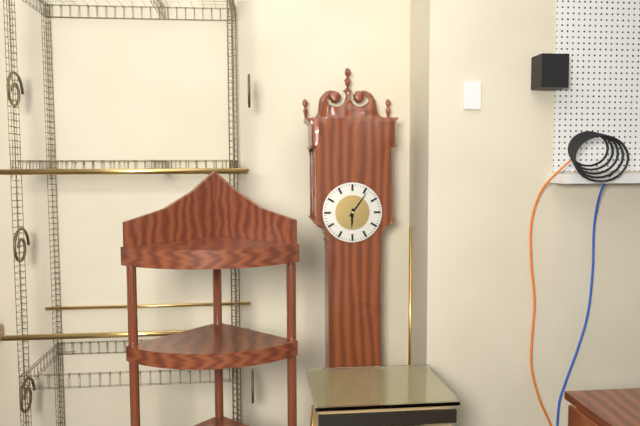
**6:06**
